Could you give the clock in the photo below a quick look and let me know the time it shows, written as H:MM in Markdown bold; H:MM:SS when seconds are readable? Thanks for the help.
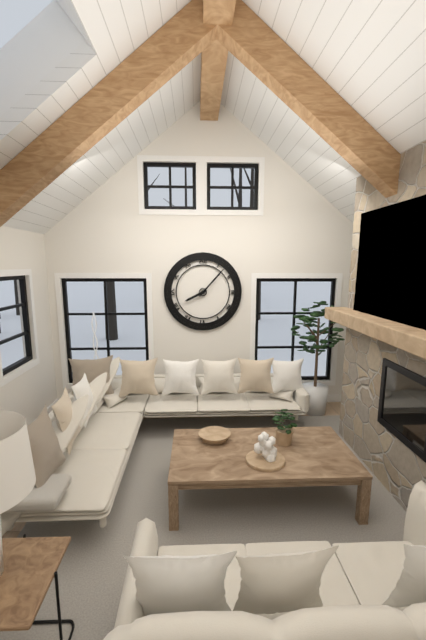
**8:07**
